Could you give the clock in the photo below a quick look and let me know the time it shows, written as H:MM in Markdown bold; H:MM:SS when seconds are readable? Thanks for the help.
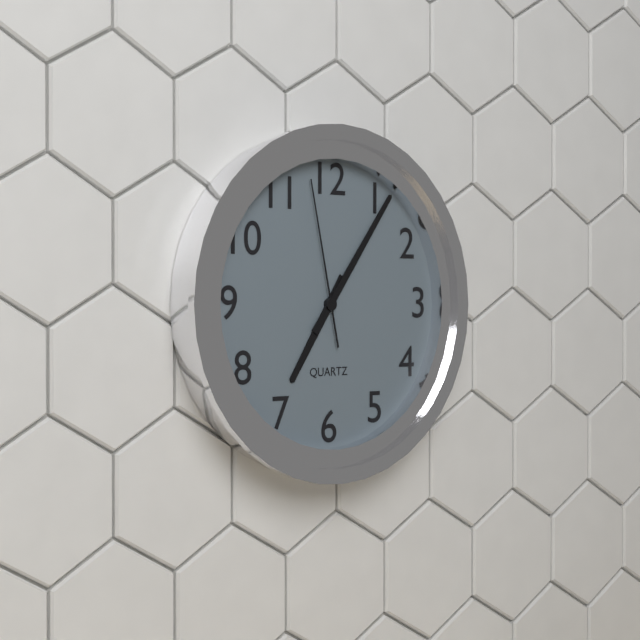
**7:06:58**
